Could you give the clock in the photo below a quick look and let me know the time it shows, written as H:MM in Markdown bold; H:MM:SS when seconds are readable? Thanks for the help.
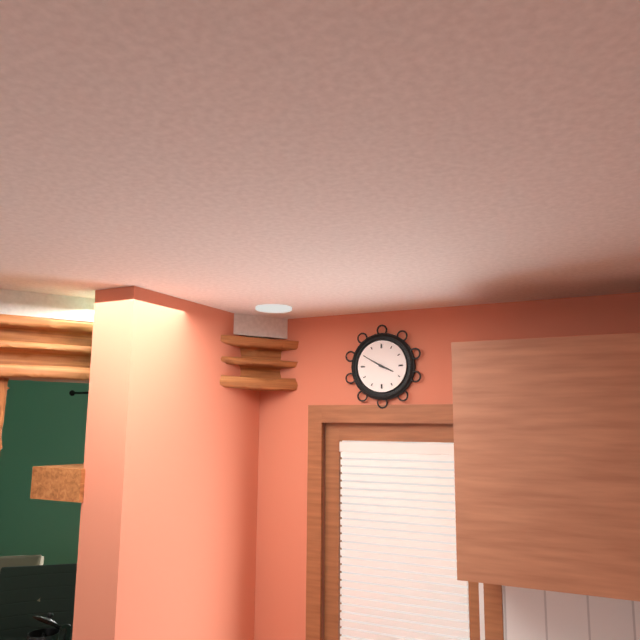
**3:50**
